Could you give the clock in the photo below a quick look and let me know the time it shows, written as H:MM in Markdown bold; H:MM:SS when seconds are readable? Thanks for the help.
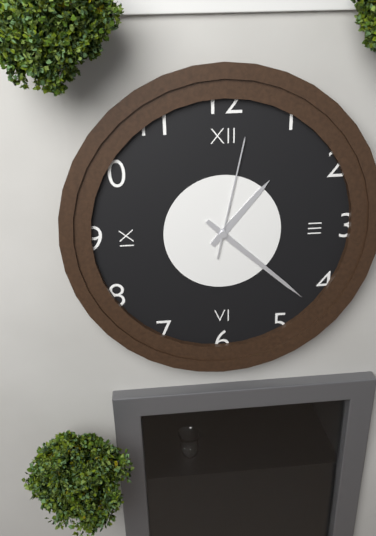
**1:22:02**
